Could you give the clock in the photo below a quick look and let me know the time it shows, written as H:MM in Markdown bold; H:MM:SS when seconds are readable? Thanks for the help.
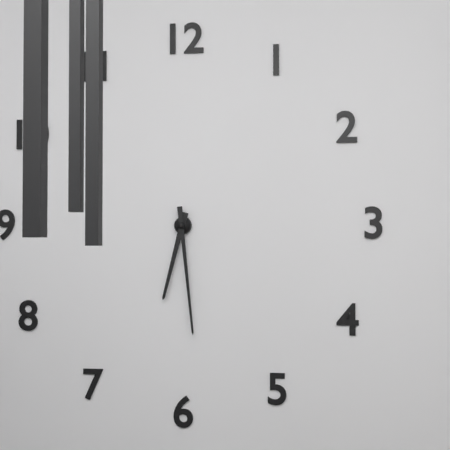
**6:29**
